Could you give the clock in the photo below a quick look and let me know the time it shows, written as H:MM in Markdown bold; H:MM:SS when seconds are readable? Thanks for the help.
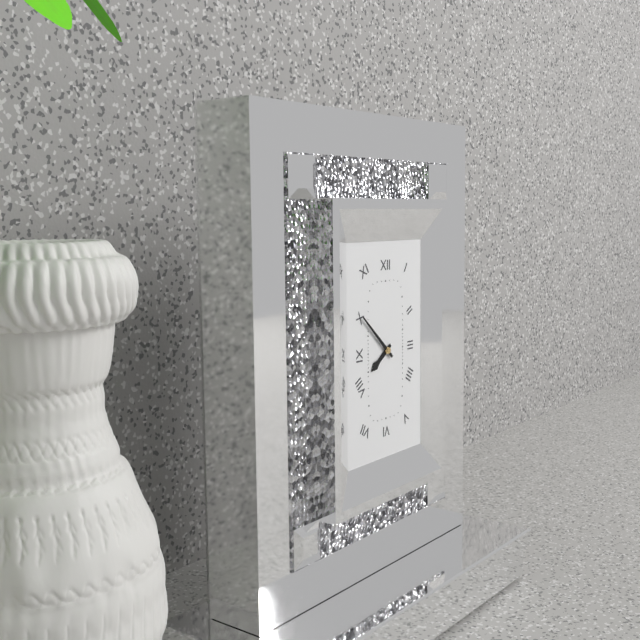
**7:52**
